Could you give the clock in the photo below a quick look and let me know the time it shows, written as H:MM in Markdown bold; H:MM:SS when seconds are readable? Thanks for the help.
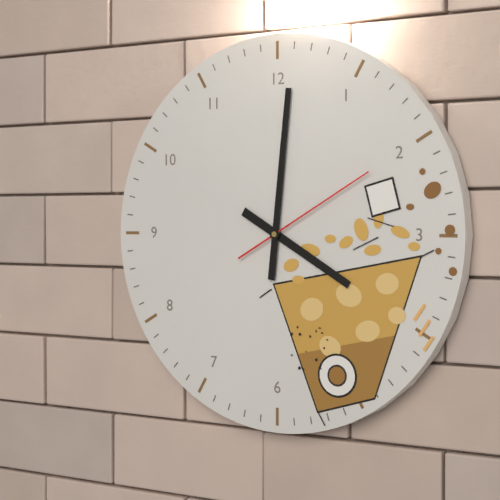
**4:01:10**
